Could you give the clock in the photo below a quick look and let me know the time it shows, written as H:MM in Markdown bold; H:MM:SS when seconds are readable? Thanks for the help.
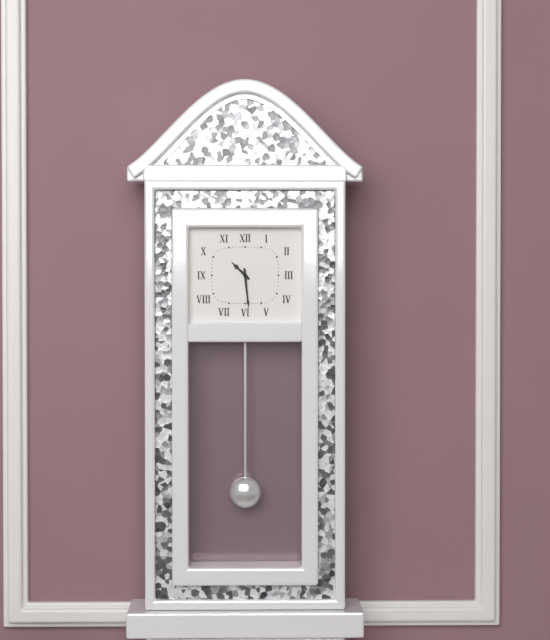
**10:29**
